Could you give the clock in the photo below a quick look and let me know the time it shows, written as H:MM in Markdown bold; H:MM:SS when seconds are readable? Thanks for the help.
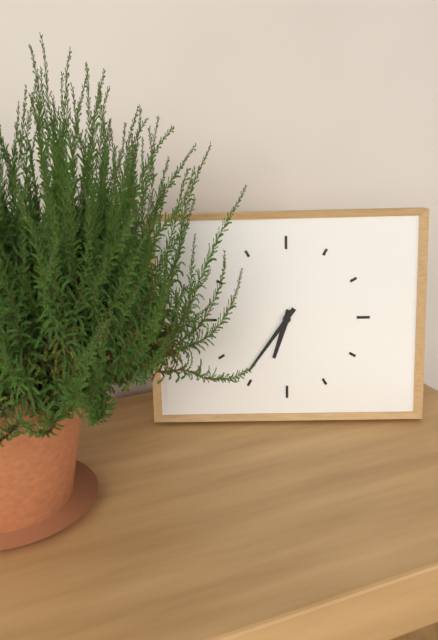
**6:36**
